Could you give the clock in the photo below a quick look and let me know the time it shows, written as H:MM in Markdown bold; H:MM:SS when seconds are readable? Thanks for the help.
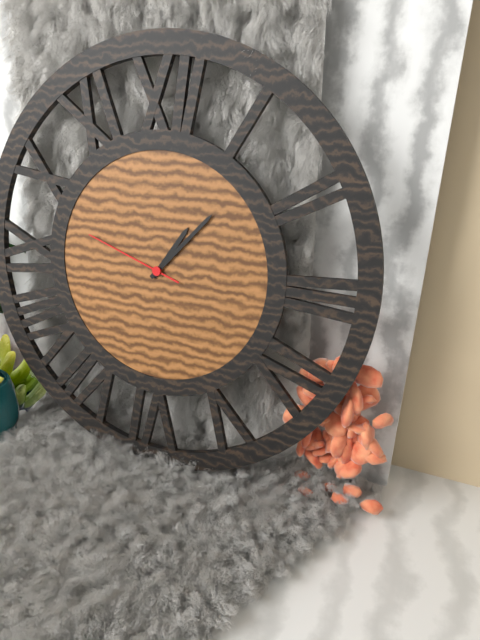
**1:07:48**
